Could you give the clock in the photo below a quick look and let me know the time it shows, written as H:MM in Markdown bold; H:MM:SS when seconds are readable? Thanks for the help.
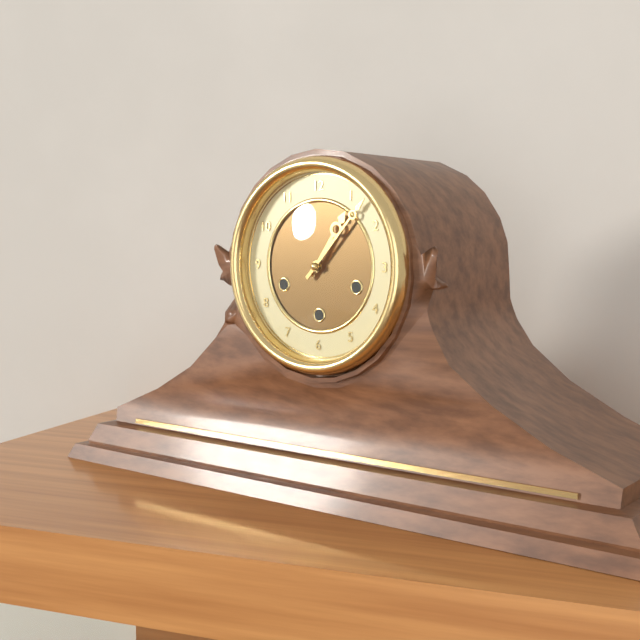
**1:07**
